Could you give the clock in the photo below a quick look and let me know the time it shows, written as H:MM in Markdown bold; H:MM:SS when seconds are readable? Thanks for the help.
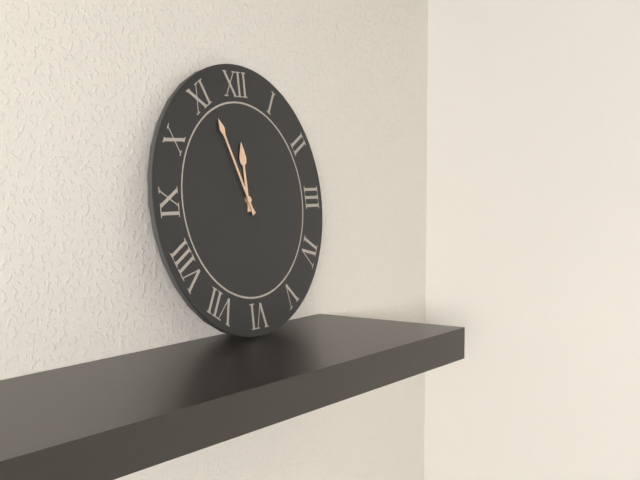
**11:56**
